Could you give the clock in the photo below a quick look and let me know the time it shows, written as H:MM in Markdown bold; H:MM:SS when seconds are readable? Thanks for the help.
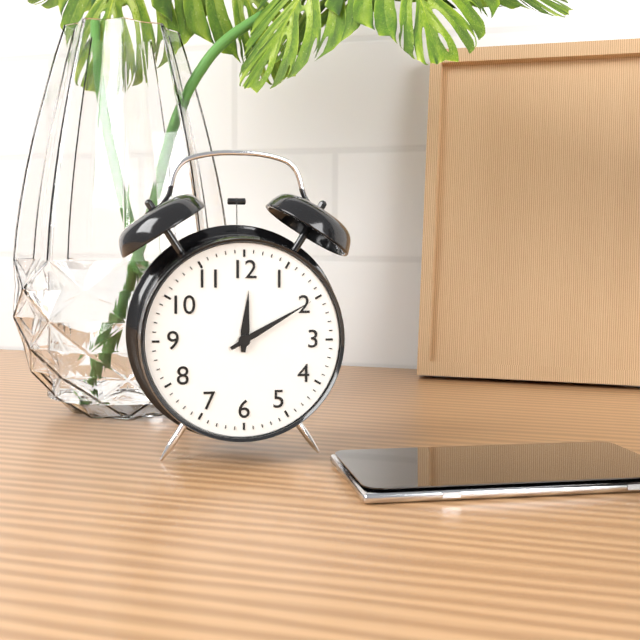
**12:10**
